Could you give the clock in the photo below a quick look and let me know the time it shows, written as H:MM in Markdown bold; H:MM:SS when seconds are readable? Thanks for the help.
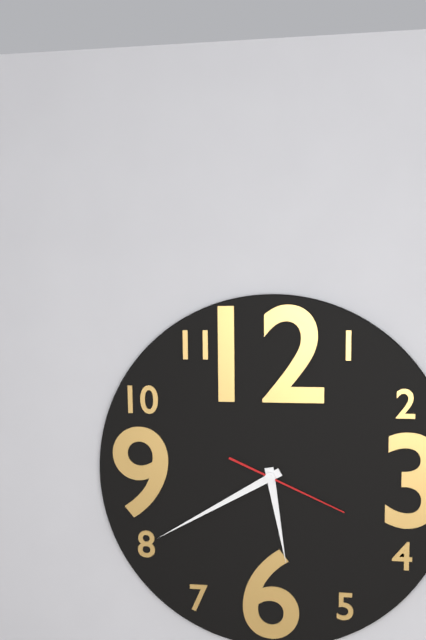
**5:40:19**
